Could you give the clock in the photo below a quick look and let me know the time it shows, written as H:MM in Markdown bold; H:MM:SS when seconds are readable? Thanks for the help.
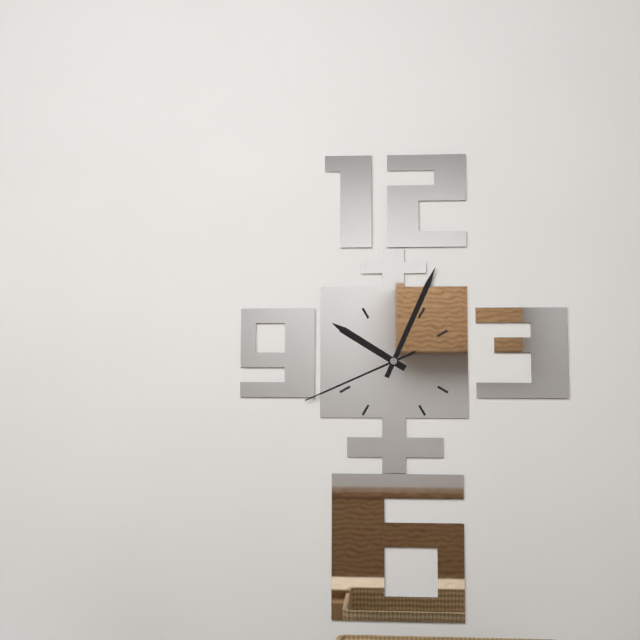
**10:04:41**
